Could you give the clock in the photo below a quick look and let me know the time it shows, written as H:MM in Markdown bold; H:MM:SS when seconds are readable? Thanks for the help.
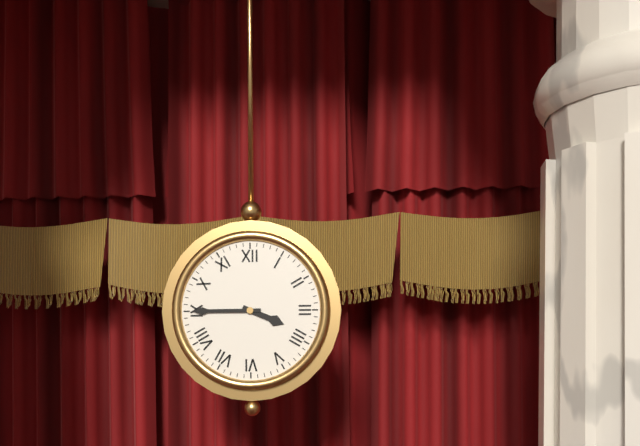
**3:45**
